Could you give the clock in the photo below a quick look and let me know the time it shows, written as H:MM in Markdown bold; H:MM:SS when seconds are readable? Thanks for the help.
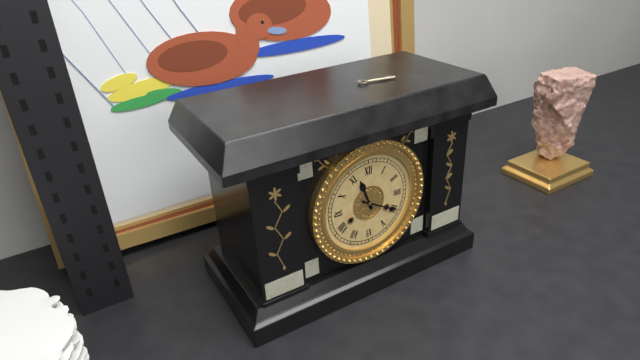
**11:20**
